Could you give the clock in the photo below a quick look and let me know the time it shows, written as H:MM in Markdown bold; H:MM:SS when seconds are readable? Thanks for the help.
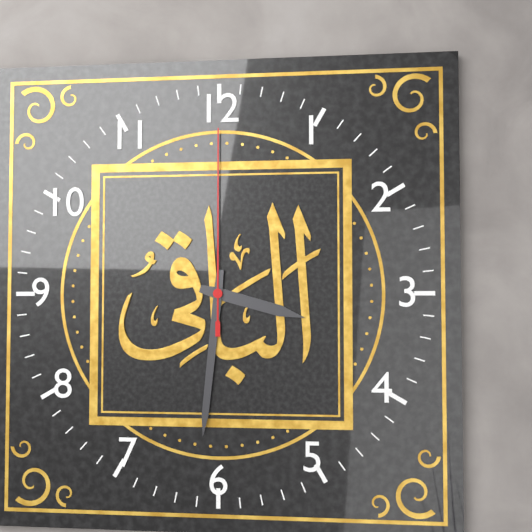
**3:31:00**
